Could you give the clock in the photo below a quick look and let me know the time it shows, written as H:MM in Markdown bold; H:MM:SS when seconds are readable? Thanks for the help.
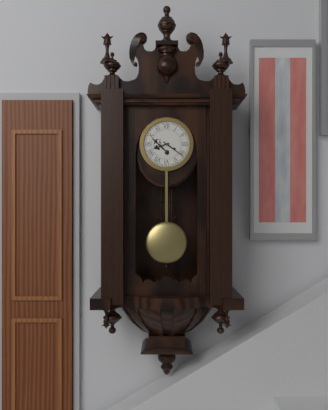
**8:21**
